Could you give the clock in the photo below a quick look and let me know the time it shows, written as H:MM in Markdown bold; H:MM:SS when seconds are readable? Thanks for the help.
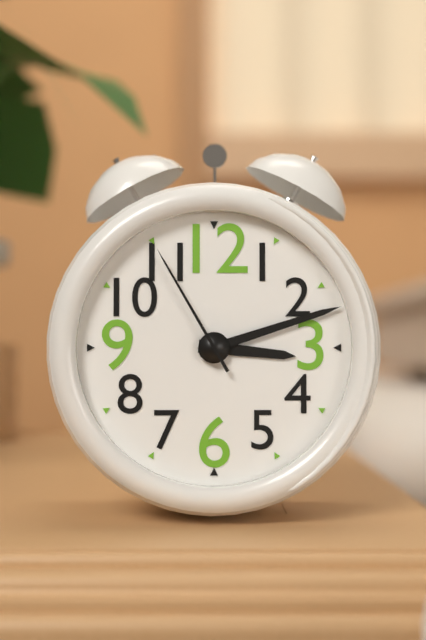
**3:12:55**
